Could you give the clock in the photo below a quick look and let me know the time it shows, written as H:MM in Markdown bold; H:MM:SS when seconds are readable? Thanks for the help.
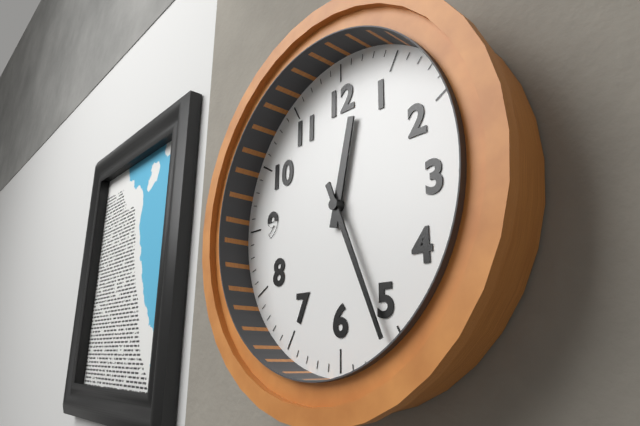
**12:26**
